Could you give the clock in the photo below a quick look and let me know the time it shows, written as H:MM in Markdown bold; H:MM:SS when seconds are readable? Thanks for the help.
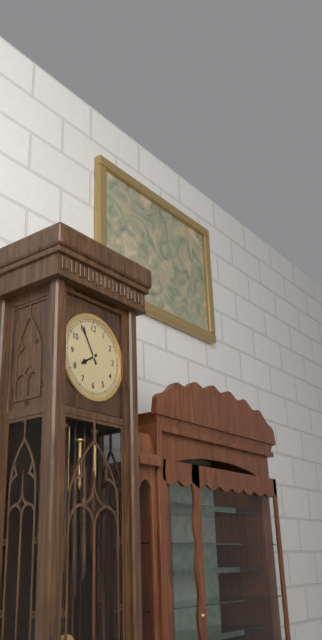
**7:55**
